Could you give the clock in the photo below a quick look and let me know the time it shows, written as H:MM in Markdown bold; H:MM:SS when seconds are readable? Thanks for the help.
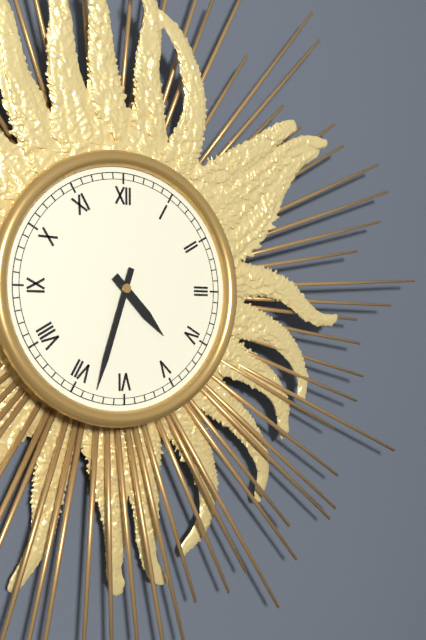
**4:33**
